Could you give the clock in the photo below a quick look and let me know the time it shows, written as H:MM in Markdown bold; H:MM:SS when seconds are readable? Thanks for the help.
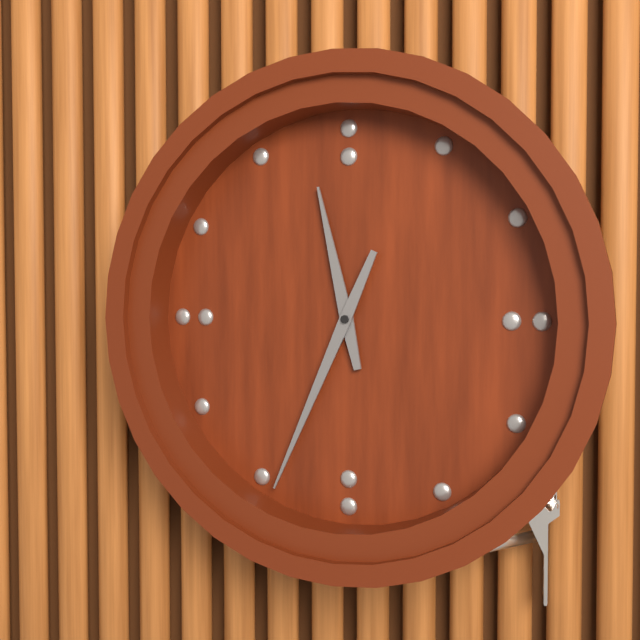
**11:34**
